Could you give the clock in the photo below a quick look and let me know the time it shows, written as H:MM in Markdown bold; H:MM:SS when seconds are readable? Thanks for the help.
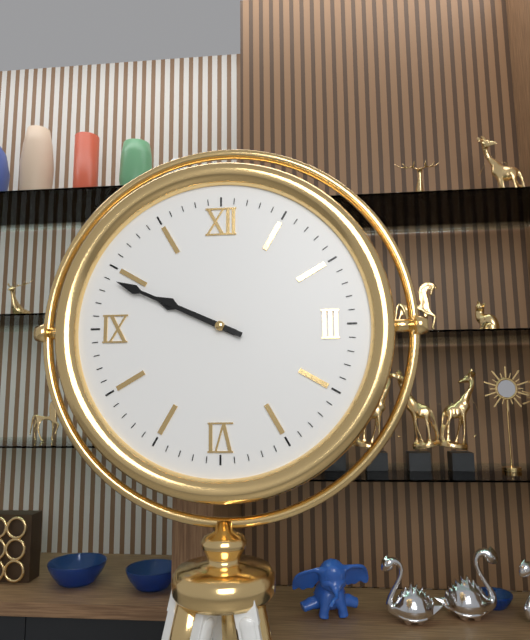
**9:49**
